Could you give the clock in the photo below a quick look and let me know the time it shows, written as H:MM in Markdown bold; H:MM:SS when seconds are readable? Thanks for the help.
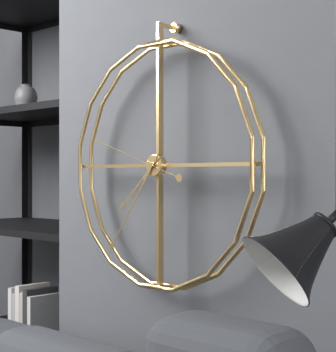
**7:36:48**
